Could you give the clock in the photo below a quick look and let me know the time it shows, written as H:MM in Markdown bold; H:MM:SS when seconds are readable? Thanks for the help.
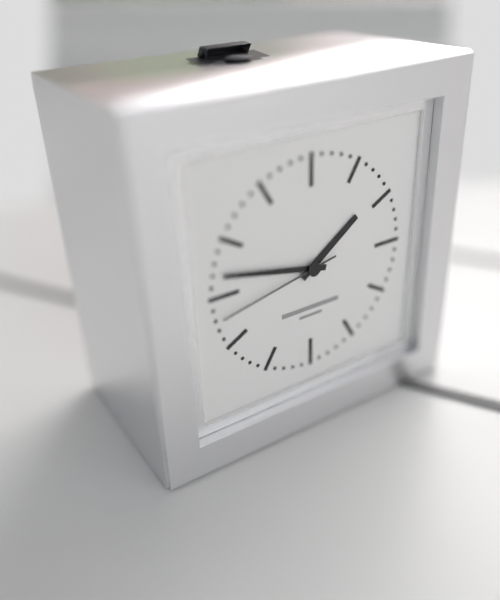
**1:47:43**
